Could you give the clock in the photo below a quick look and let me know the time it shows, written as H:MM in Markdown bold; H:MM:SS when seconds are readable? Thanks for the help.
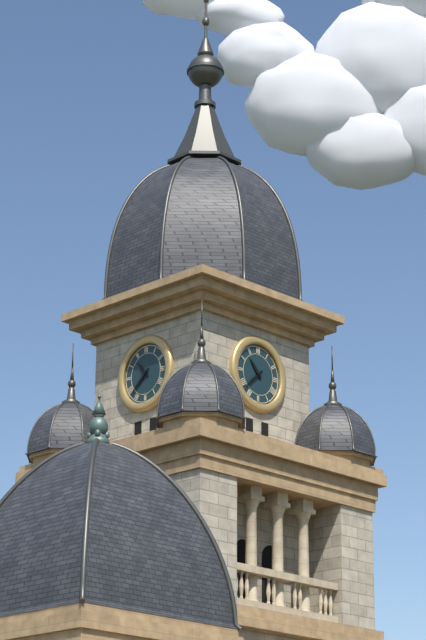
**10:38**
